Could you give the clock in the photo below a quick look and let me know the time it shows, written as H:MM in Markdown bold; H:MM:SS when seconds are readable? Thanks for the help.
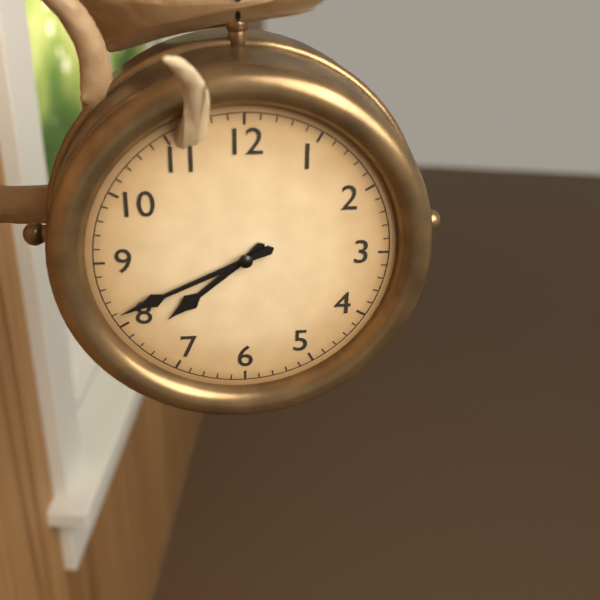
**7:41**
